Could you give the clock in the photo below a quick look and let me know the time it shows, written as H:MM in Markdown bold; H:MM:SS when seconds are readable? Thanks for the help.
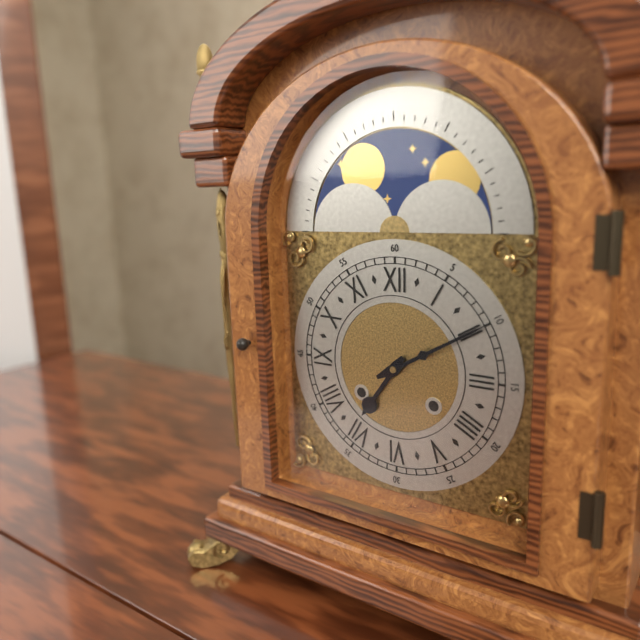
**7:10**
